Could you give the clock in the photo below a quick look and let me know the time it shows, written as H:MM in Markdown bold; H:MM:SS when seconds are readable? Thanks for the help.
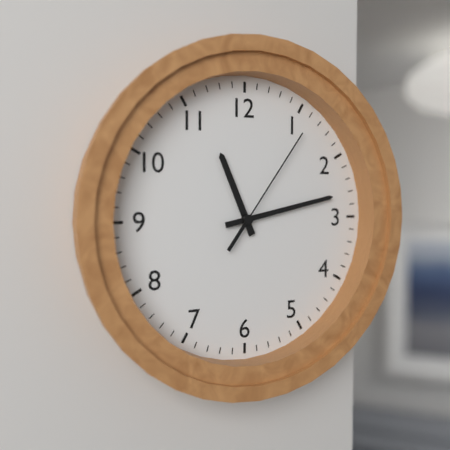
**11:13:06**
